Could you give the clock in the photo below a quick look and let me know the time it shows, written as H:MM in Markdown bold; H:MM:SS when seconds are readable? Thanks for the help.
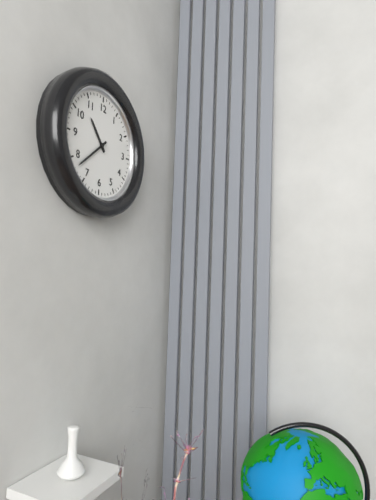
**10:38**
